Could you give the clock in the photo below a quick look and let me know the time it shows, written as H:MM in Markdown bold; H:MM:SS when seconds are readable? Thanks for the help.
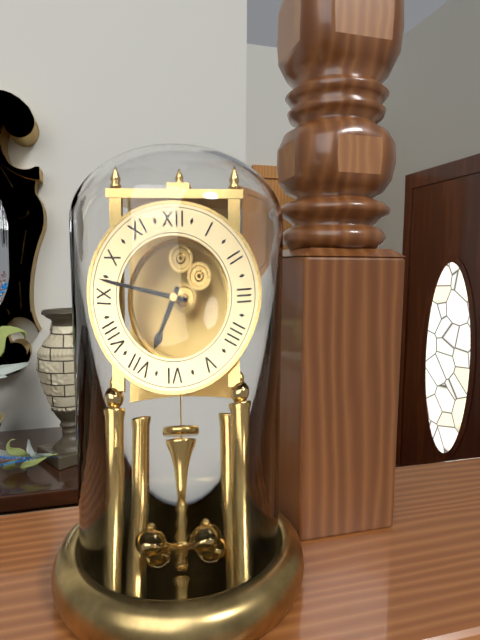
**6:47**
